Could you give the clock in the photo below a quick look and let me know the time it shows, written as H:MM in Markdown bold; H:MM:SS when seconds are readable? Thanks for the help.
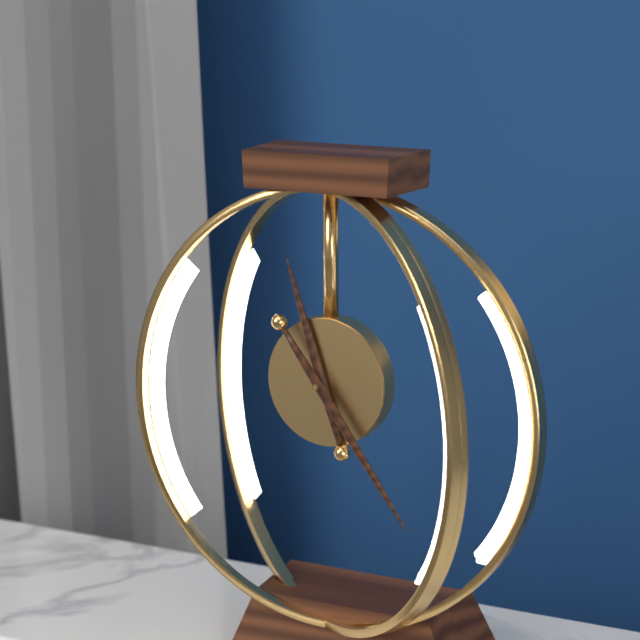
**11:24**
